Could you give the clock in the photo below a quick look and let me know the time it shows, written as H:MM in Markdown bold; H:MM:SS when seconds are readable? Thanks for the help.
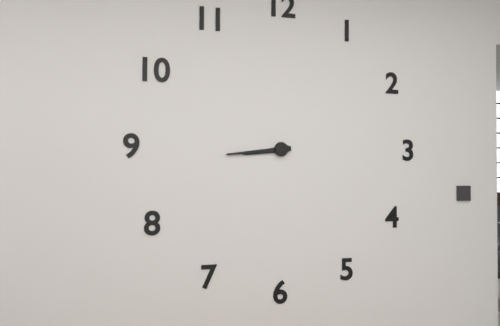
**8:44**
